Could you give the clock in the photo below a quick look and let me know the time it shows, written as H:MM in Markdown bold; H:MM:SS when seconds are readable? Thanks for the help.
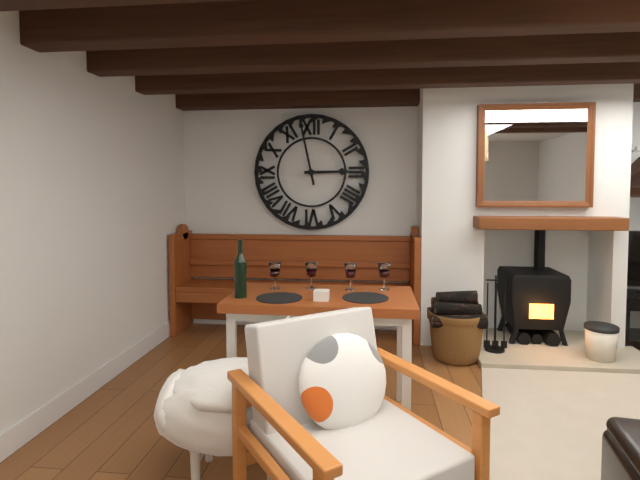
**2:58**
